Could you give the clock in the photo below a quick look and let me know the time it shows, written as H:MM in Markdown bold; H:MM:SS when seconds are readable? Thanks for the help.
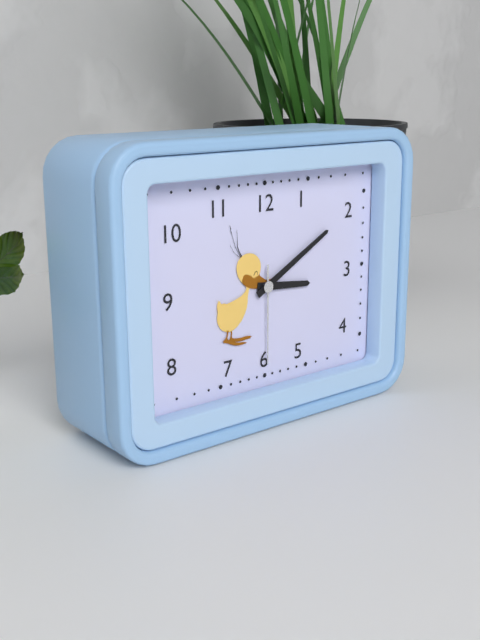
**3:10:30**
